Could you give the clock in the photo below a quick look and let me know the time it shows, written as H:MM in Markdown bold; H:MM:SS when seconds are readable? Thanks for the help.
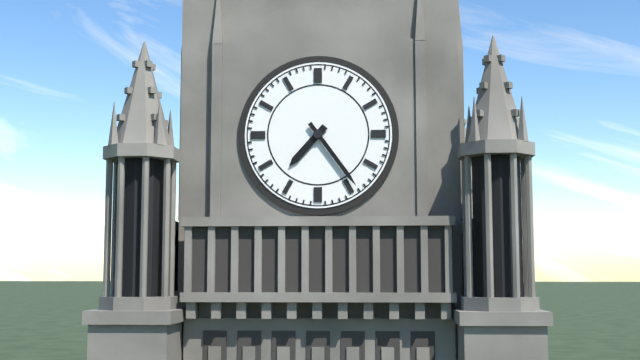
**7:24**
